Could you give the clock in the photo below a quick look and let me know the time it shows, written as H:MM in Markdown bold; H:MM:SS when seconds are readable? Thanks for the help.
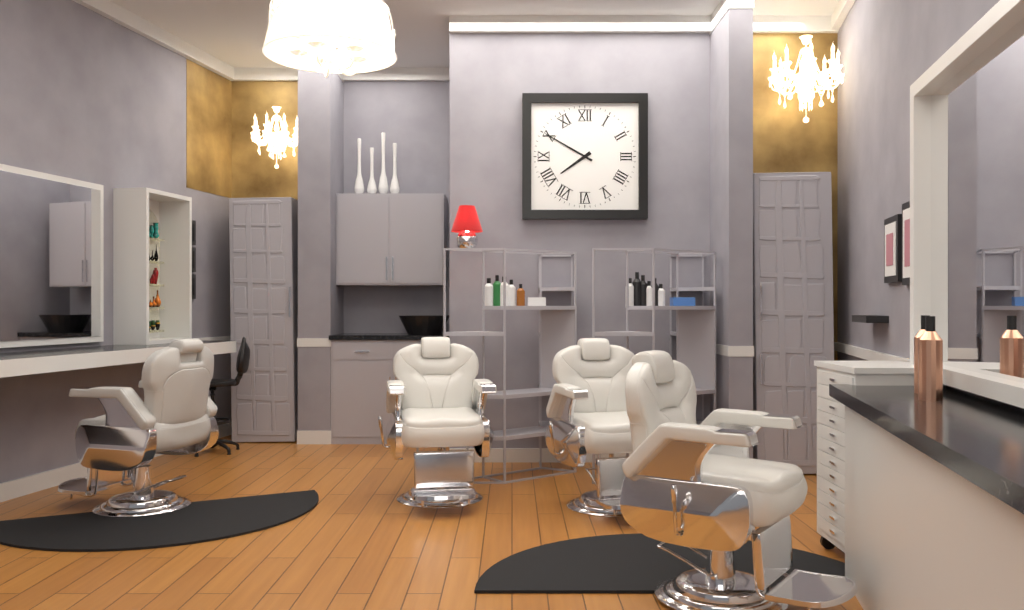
**7:50**
